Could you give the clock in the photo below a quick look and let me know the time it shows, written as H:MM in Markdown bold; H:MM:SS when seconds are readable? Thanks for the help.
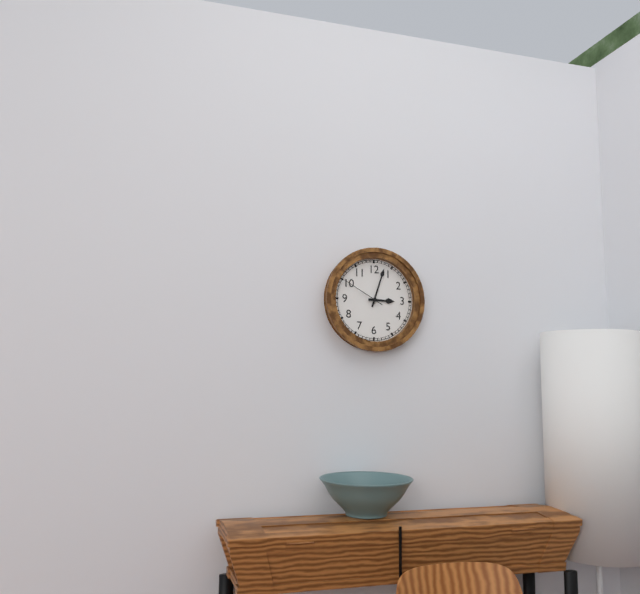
**3:03**
